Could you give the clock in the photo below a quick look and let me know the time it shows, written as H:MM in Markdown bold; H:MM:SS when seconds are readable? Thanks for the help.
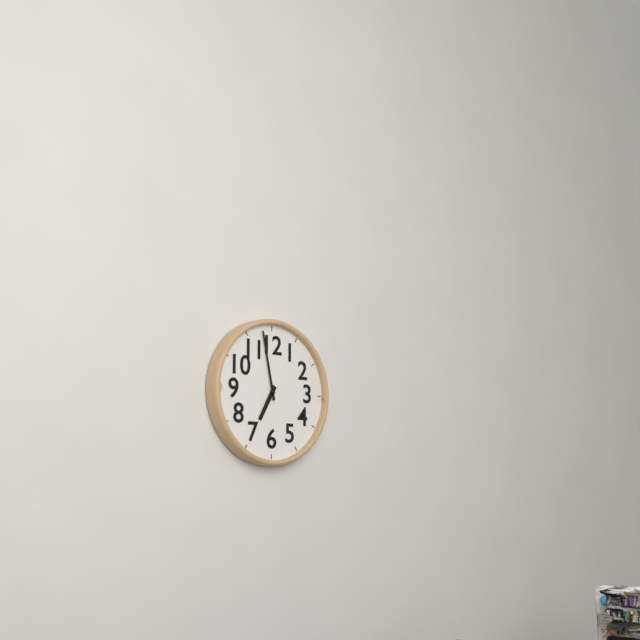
**6:58**
